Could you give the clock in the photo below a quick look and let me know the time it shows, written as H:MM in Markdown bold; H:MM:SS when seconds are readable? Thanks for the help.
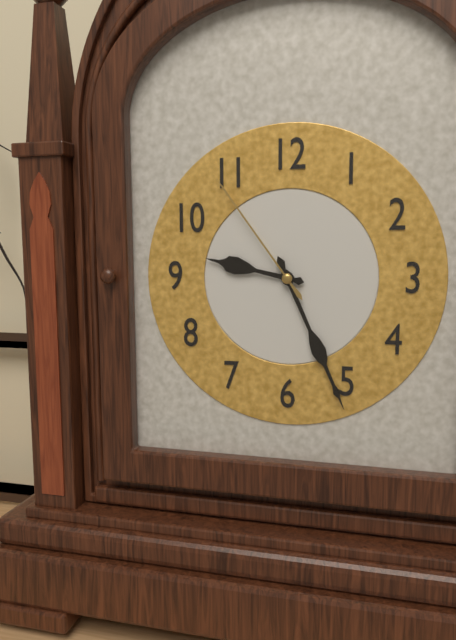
**9:26:54**
